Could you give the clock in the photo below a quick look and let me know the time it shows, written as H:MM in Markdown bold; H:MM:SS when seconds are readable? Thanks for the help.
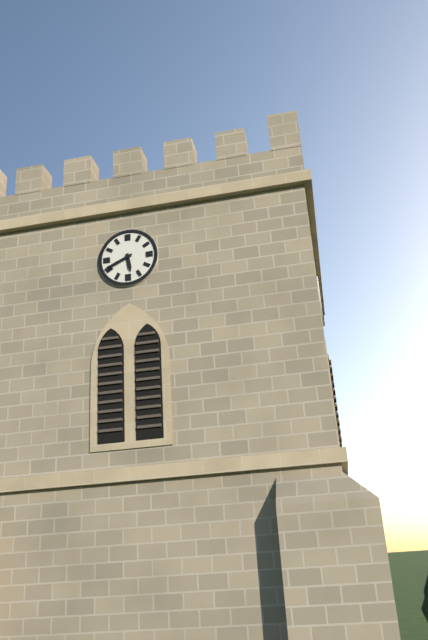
**5:41**
